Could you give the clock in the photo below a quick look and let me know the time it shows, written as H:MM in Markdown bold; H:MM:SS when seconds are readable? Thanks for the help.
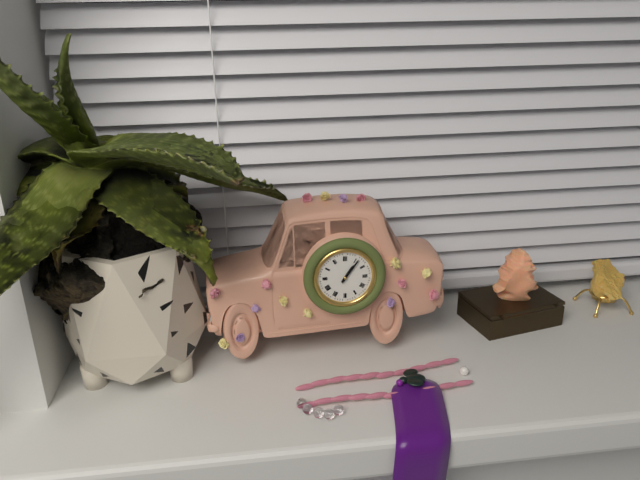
**1:06**
